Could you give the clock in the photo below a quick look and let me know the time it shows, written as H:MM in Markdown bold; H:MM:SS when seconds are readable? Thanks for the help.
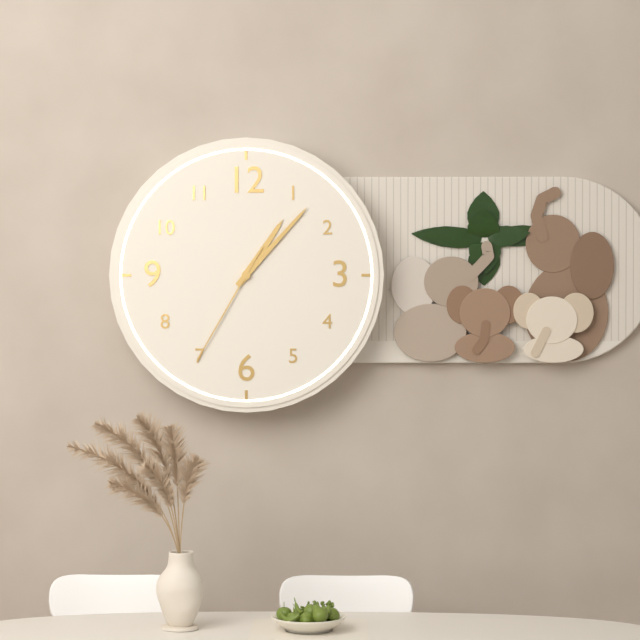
**1:07:35**
